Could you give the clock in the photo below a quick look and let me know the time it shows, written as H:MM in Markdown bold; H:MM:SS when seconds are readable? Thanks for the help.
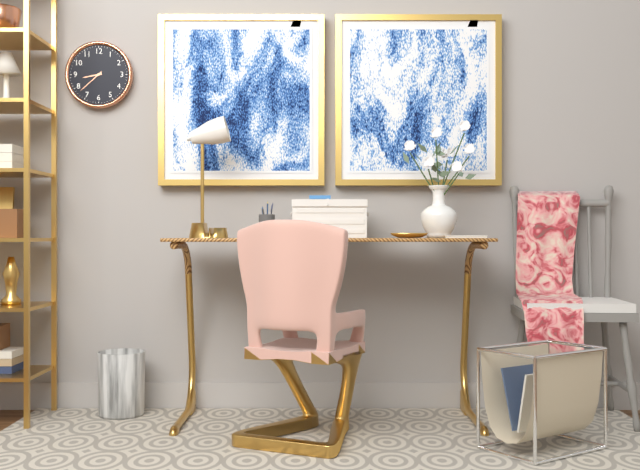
**8:38**
